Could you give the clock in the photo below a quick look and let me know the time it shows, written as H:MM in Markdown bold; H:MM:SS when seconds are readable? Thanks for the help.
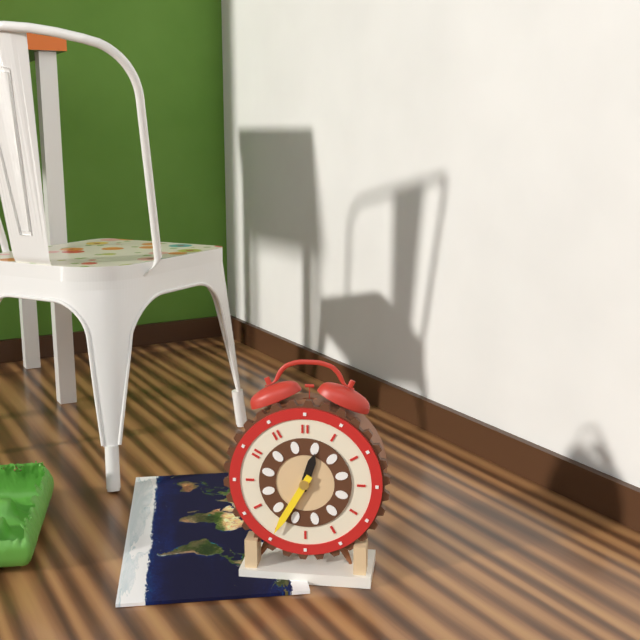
**12:35**
